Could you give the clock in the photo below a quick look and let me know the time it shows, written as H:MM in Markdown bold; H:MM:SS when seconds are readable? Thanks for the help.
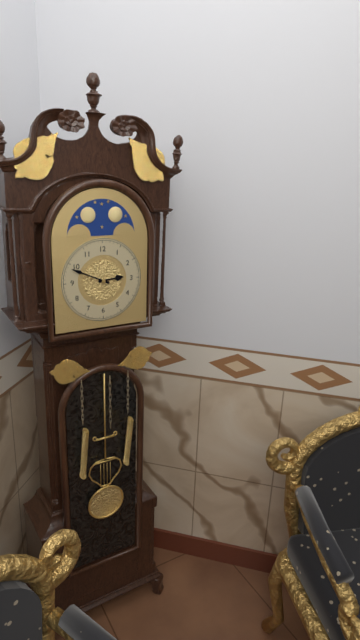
**2:49**
